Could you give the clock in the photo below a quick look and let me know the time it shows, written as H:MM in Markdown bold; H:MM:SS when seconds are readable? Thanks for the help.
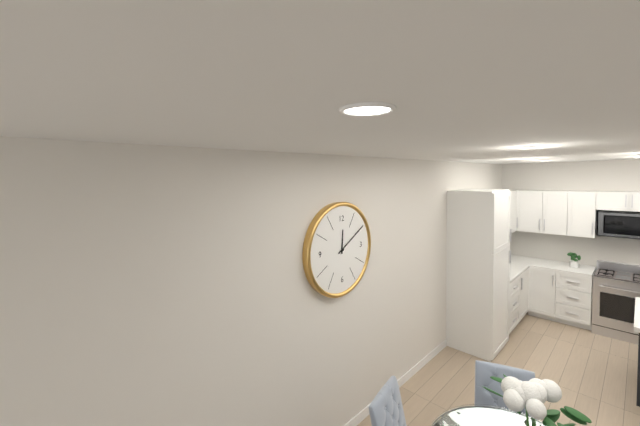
**12:10**
